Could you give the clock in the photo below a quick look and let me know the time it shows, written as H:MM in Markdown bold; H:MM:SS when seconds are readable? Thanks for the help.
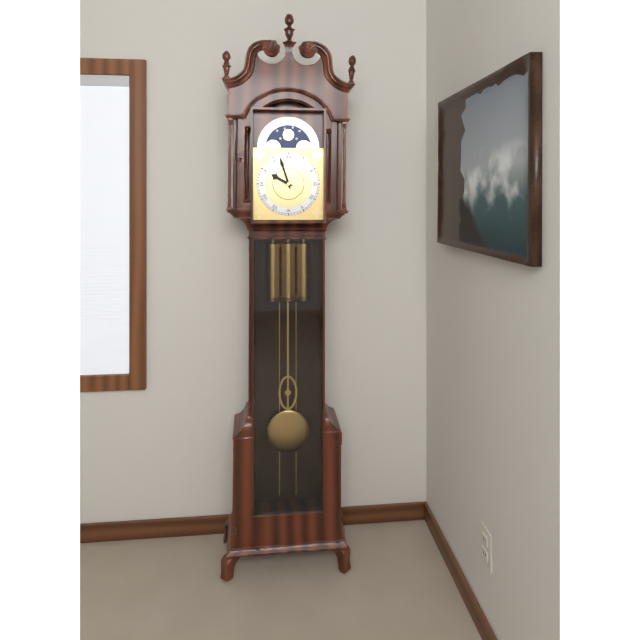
**9:57**
